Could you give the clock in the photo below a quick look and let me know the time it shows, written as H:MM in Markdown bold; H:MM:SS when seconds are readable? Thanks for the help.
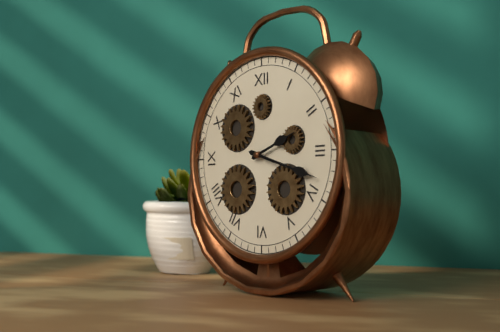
**2:18**
